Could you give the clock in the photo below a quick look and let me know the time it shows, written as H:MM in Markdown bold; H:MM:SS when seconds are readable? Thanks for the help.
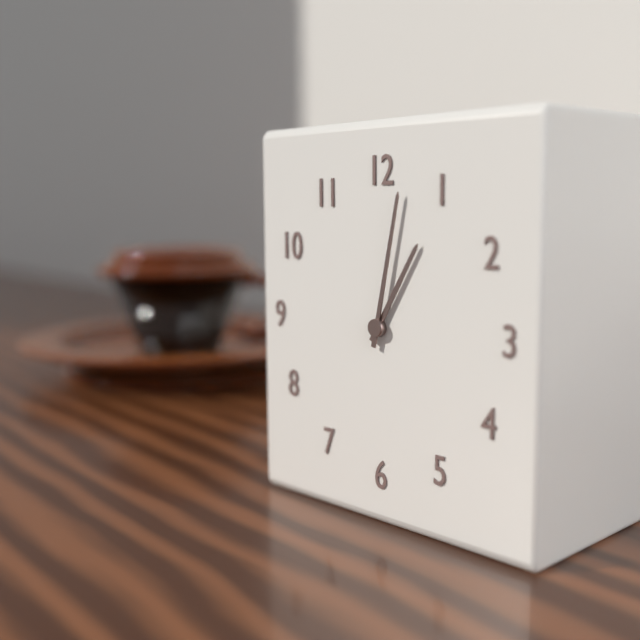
**1:02**
